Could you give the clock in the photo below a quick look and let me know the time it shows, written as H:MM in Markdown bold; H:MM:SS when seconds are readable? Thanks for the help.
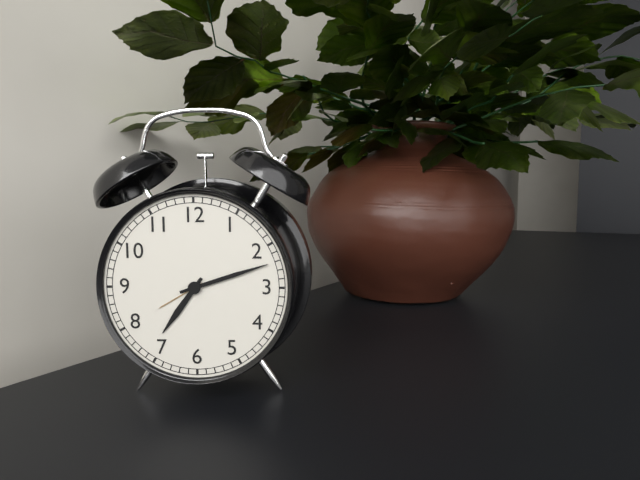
**7:12**
